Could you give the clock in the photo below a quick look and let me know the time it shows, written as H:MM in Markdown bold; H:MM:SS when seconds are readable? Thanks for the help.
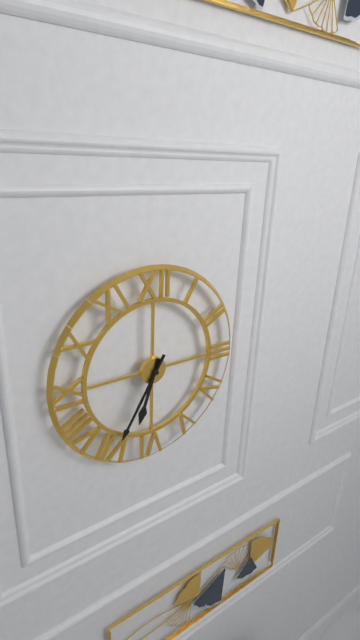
**6:35**
